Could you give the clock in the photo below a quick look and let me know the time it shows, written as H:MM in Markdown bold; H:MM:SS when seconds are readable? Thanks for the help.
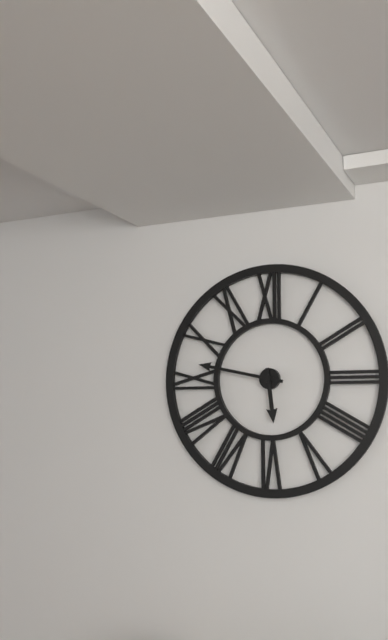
**5:47**
